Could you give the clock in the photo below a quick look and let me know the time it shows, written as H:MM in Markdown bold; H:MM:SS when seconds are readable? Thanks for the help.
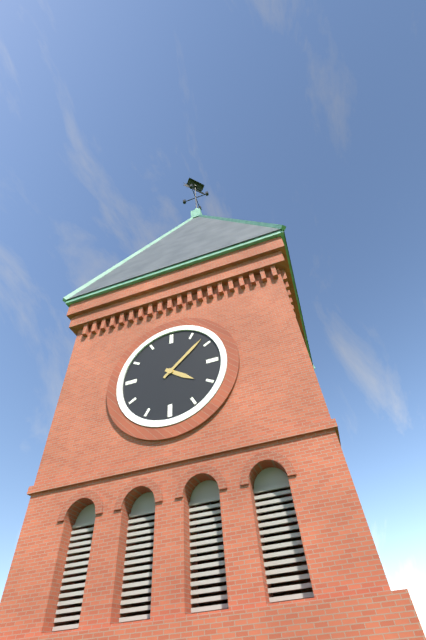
**4:08**
